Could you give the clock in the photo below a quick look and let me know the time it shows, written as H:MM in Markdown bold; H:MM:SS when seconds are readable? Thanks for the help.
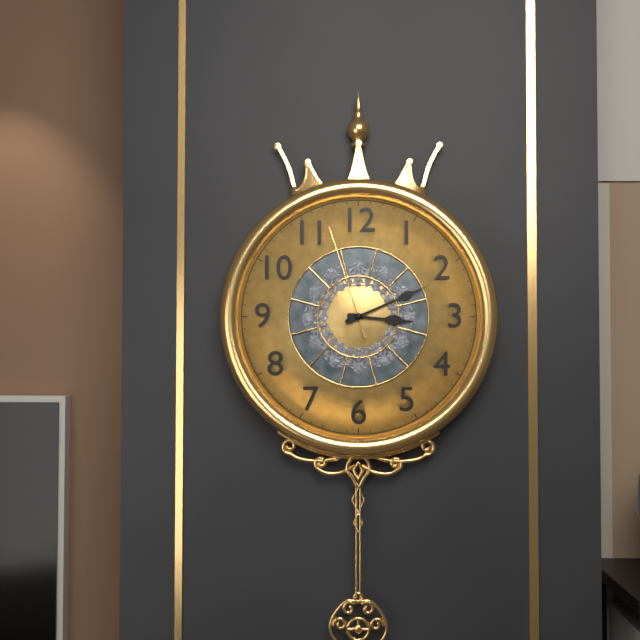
**3:11:57**
